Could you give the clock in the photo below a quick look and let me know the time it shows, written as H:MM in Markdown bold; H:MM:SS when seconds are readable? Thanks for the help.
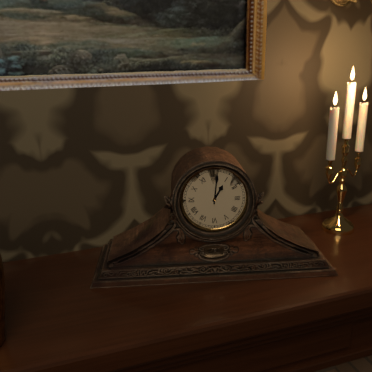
**1:01**
